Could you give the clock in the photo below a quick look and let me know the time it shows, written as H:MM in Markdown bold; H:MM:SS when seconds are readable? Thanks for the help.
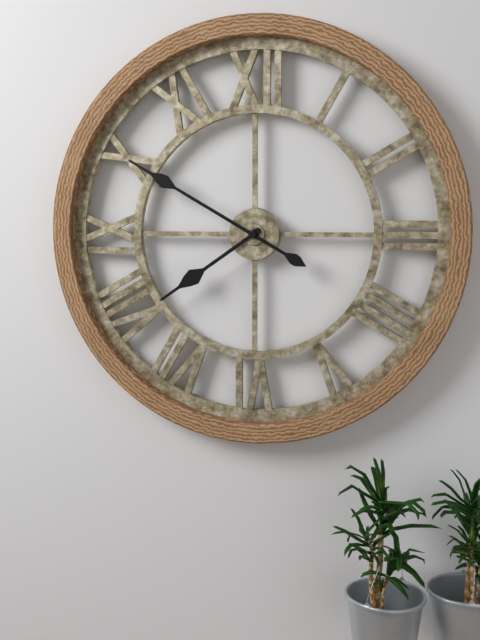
**7:50**
